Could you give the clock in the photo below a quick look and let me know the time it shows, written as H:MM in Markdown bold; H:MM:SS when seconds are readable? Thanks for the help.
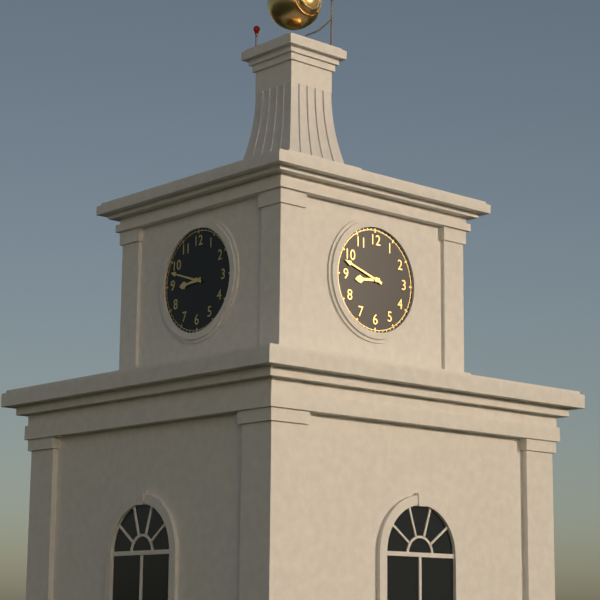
**8:48**
